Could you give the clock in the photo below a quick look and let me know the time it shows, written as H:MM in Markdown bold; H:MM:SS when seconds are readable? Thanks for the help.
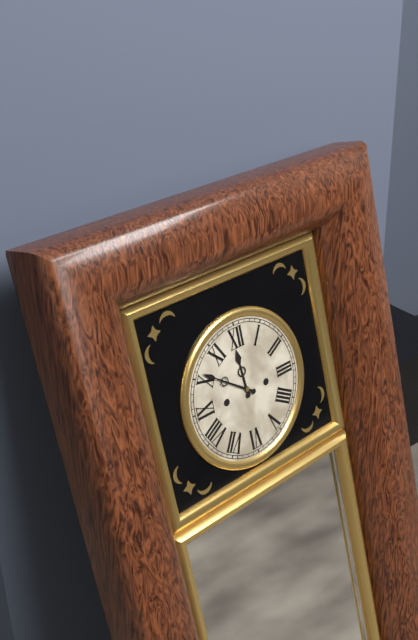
**11:51**
